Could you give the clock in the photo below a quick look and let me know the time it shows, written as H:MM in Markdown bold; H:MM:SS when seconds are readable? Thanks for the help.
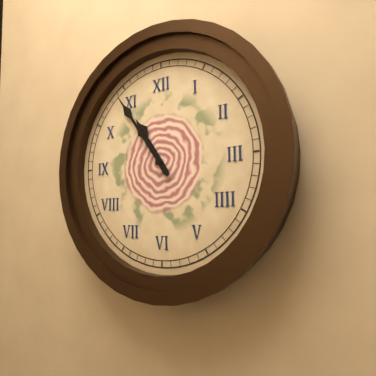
**10:54**
